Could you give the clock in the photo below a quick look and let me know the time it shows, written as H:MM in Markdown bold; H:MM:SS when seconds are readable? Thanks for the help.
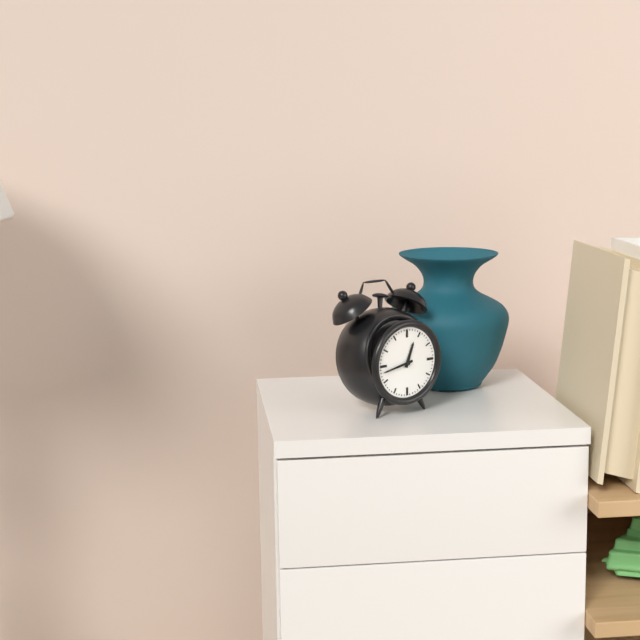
**12:43**
